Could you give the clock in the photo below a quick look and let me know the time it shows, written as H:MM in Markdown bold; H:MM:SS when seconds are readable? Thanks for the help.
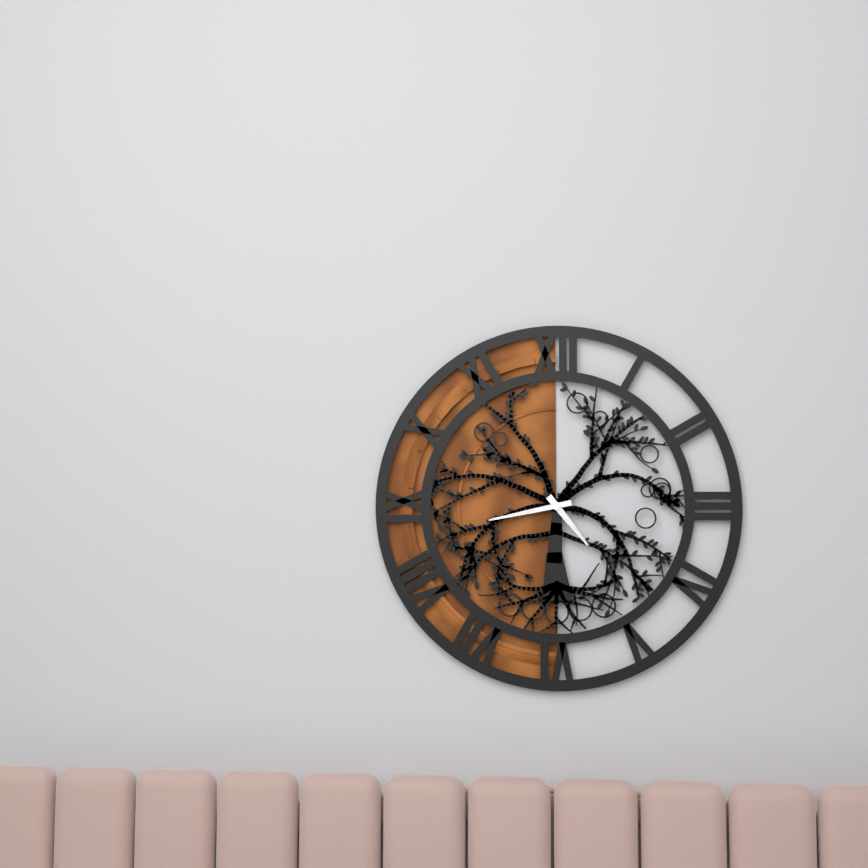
**4:43**
